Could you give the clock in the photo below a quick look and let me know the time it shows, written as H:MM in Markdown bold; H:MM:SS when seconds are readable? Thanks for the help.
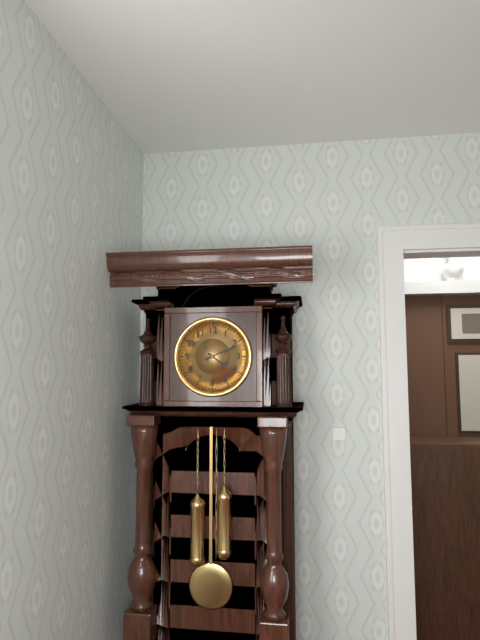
**4:11**
